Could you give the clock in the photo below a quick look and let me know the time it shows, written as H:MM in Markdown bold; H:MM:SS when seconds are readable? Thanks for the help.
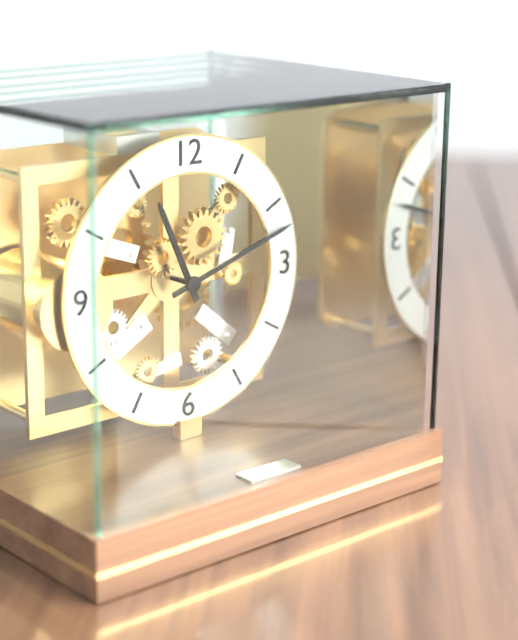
**11:12**
